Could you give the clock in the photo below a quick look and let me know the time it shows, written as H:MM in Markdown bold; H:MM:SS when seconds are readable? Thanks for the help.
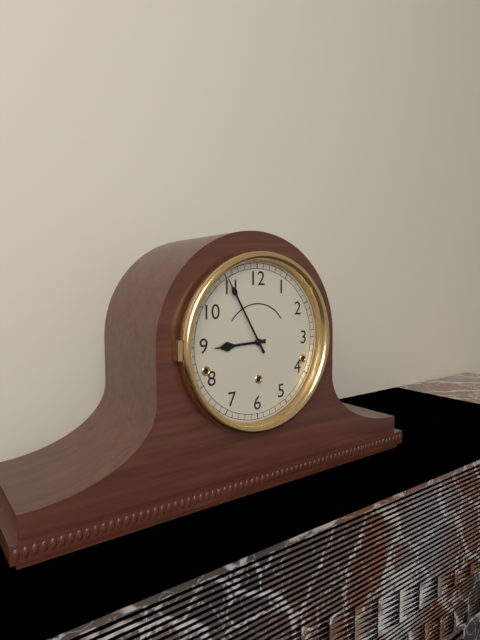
**8:55**
